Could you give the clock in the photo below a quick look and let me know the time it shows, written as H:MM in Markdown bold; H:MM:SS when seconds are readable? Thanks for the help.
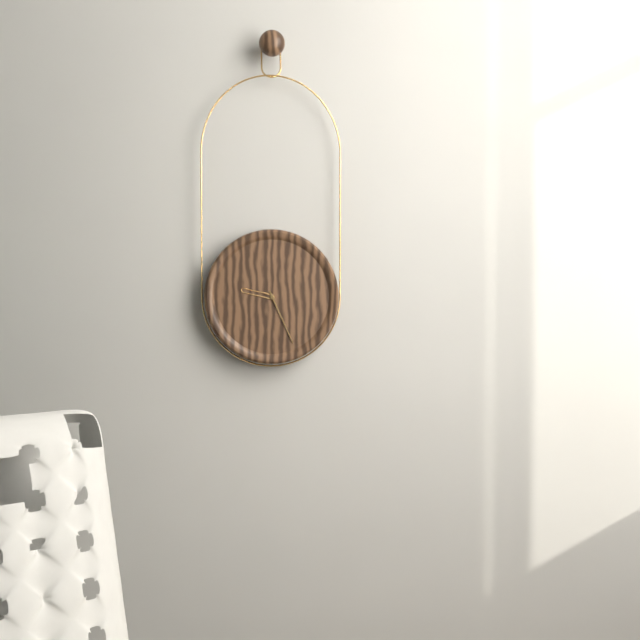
**9:26**
